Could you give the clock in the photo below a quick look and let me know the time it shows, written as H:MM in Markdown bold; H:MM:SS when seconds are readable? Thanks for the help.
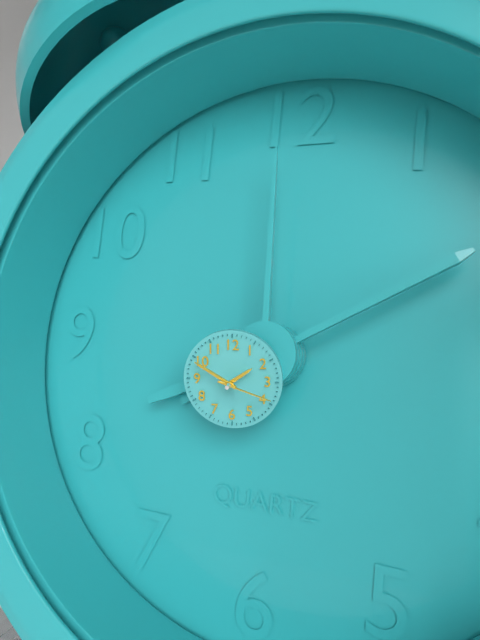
**1:50:18**
